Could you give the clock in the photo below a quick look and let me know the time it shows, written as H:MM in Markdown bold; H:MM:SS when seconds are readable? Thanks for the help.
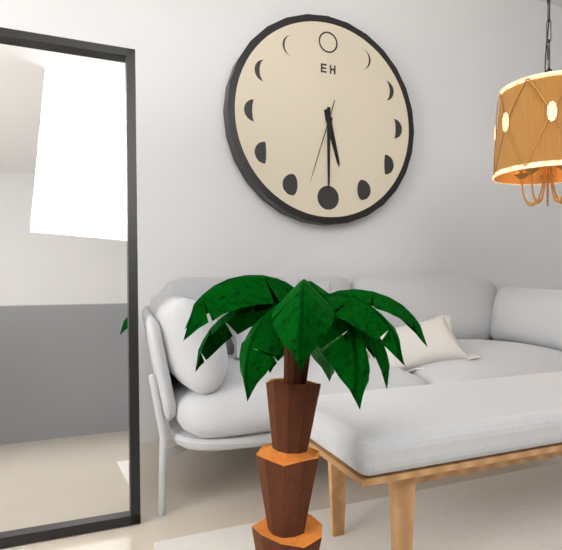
**5:30:33**
